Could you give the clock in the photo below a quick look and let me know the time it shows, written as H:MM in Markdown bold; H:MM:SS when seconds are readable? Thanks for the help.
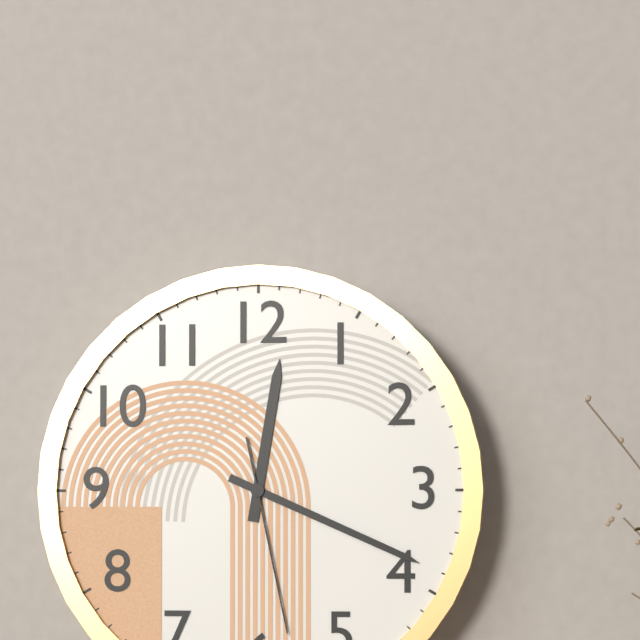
**12:19:28**
